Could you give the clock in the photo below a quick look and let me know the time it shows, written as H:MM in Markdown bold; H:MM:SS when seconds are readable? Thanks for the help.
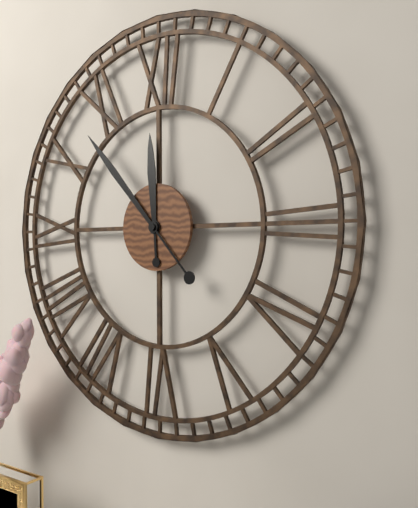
**11:53**
